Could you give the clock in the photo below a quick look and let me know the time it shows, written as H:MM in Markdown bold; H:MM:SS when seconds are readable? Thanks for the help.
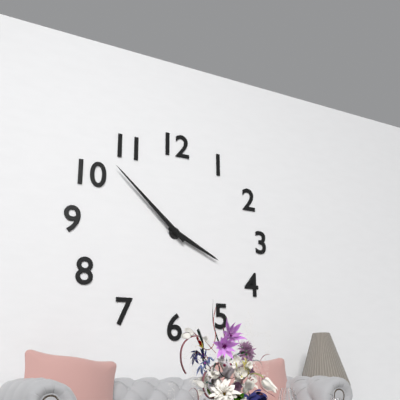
**3:52**
